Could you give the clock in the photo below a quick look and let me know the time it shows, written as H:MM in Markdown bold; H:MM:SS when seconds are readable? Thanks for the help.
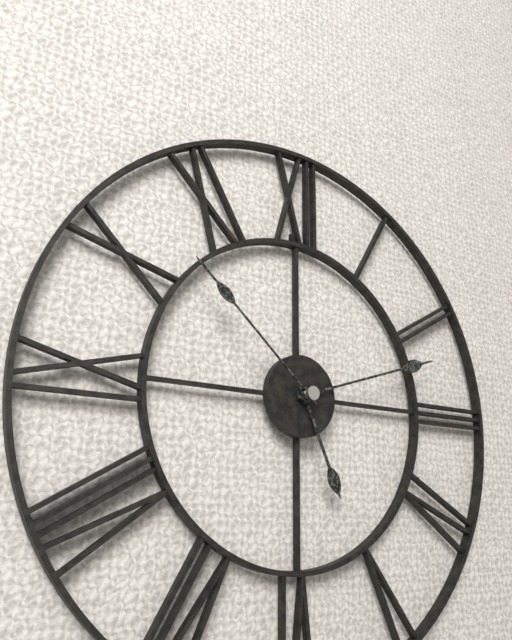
**5:12:52**
